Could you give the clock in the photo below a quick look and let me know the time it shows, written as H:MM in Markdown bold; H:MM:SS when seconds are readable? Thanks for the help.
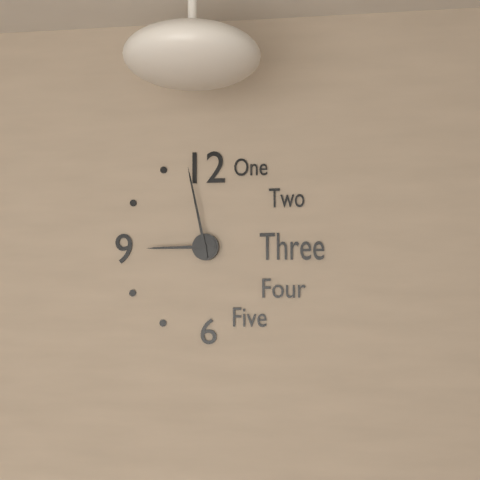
**8:58**
